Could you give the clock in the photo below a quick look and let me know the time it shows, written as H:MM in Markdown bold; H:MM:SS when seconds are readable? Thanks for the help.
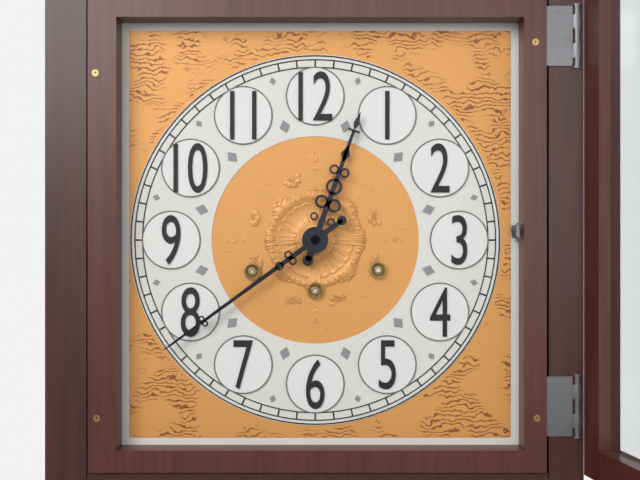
**12:39**
